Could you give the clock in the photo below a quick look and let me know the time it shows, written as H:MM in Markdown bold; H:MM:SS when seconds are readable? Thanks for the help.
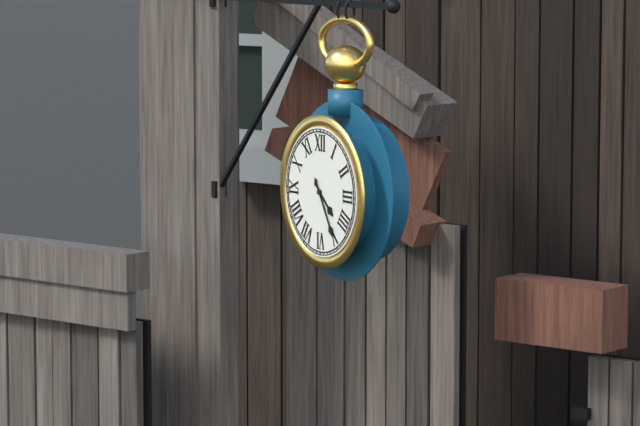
**4:25**
